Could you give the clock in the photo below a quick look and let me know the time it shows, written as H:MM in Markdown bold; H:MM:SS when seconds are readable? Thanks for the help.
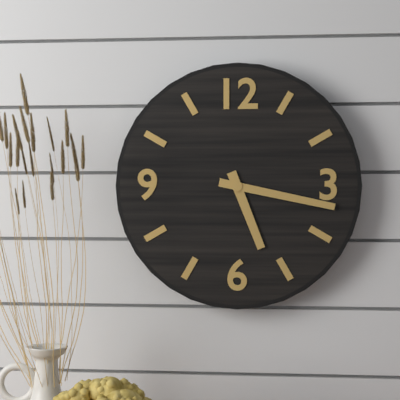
**5:17**
